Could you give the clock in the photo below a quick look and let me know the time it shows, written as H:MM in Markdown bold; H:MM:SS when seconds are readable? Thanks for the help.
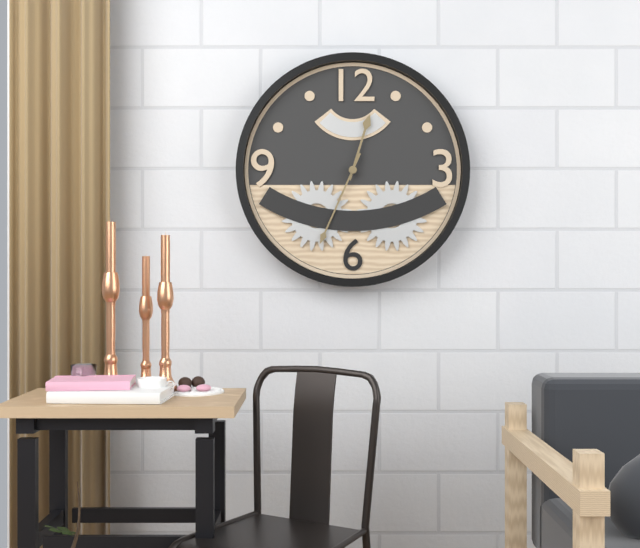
**12:34**
